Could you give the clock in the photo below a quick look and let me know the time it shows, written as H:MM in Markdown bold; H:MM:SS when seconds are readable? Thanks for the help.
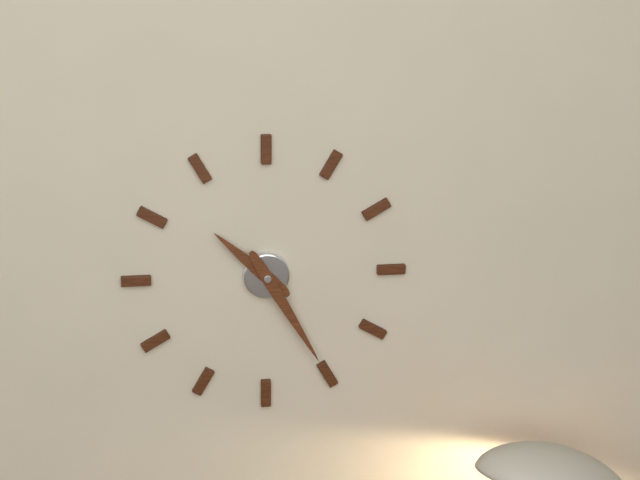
**10:25**
